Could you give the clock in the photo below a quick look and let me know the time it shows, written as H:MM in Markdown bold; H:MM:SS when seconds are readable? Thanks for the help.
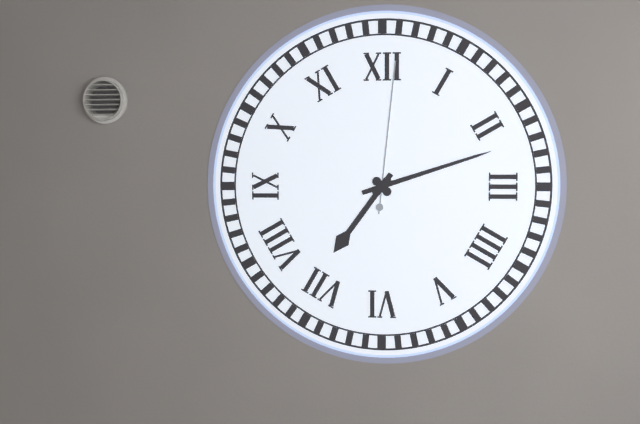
**7:12:01**
